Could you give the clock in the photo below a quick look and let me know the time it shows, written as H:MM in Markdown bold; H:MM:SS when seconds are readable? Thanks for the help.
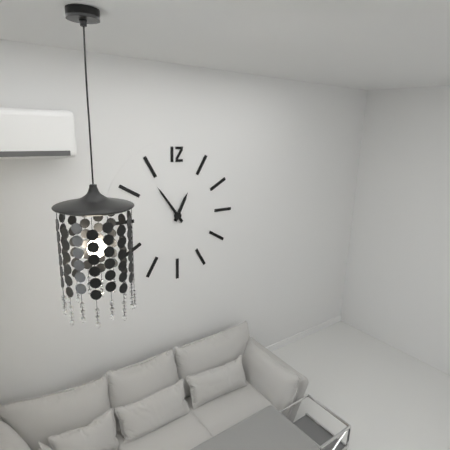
**12:54**
